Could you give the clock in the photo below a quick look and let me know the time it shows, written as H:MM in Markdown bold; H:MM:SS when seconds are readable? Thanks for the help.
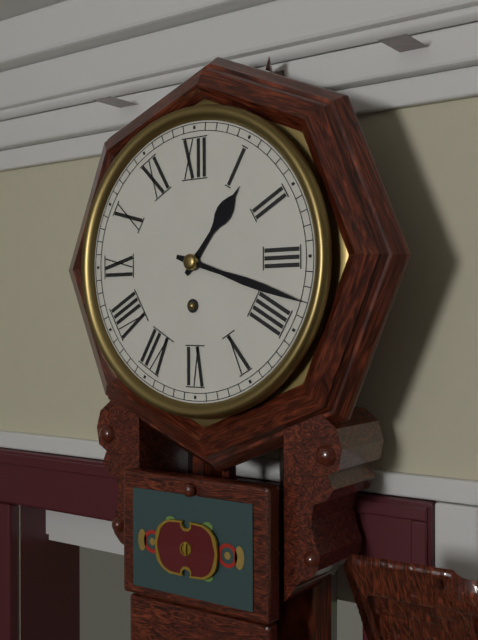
**1:18**
